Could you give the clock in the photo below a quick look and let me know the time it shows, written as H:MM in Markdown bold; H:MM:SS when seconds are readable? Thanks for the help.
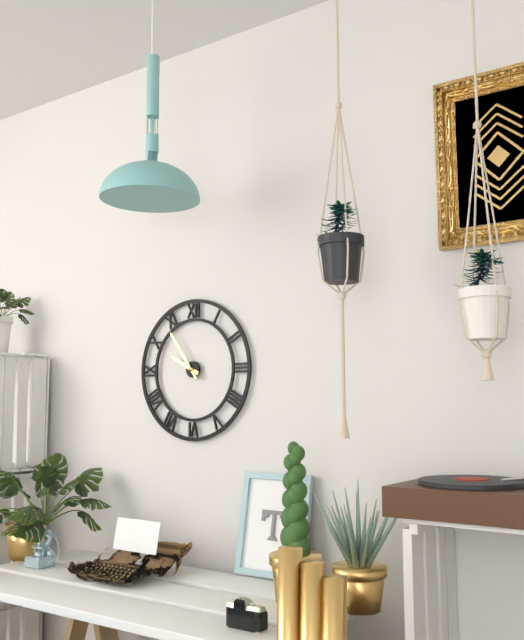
**9:54**
